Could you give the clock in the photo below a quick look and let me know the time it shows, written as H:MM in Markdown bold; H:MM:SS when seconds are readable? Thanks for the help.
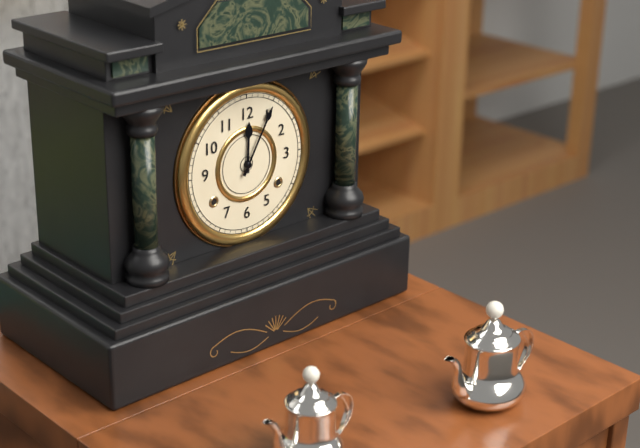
**12:05**
